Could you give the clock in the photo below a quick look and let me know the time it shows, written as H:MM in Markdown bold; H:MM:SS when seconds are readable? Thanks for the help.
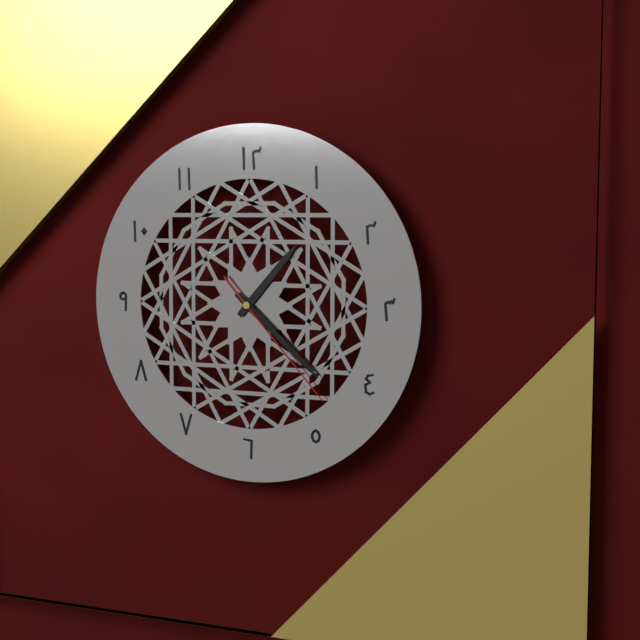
**1:22:23**
